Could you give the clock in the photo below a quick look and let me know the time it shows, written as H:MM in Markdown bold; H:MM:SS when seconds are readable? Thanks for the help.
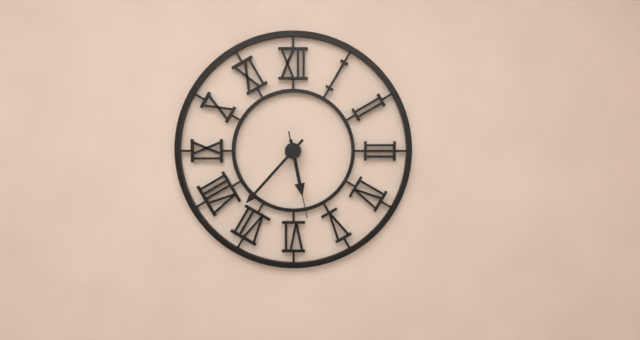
**5:37:28**
